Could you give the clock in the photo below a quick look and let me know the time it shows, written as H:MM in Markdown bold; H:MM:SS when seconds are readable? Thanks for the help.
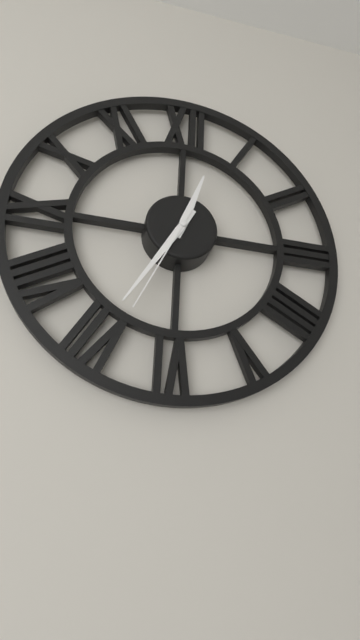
**12:35:34**
